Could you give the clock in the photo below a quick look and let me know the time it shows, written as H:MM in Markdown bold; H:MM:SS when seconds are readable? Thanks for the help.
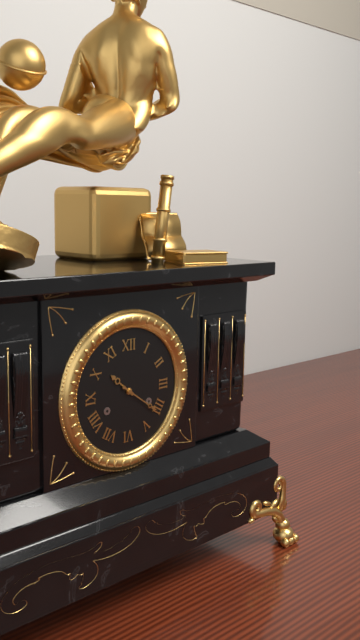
**10:21**
